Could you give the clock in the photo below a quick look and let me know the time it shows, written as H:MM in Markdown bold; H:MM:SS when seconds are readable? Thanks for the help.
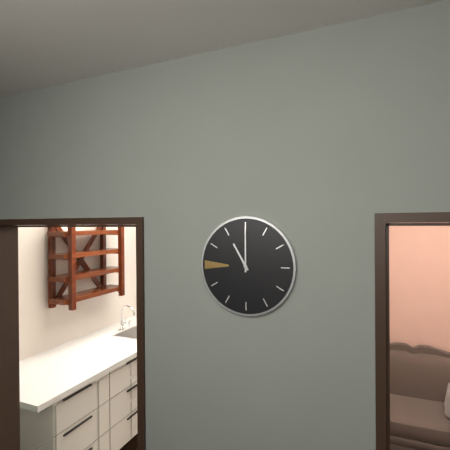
**11:00**
